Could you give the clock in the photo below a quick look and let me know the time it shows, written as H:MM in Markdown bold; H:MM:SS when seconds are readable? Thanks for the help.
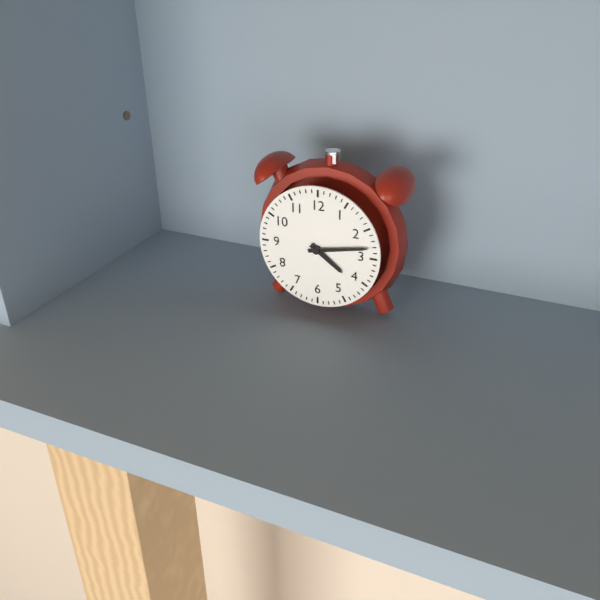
**4:13**
